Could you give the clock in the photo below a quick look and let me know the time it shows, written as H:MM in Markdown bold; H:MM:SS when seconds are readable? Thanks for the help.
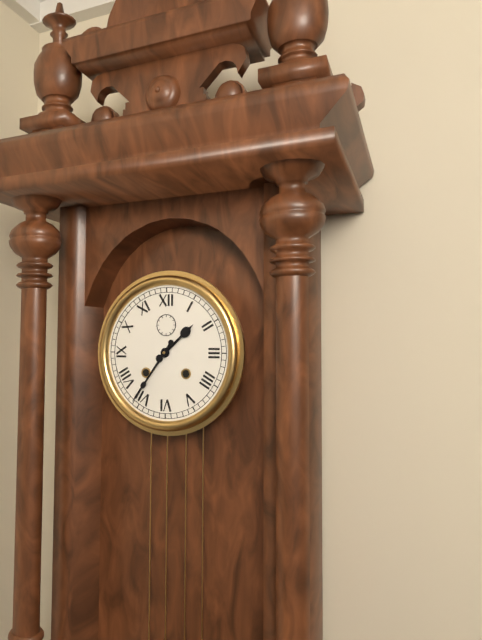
**1:36**
